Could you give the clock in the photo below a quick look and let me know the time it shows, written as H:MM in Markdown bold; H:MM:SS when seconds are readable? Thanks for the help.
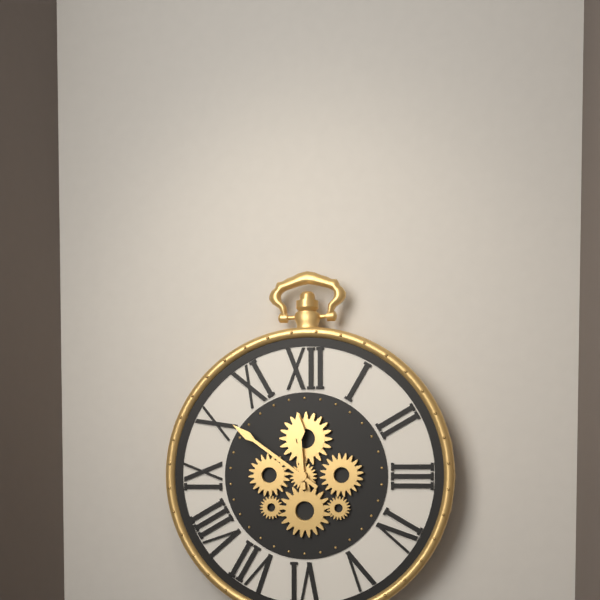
**11:51**
